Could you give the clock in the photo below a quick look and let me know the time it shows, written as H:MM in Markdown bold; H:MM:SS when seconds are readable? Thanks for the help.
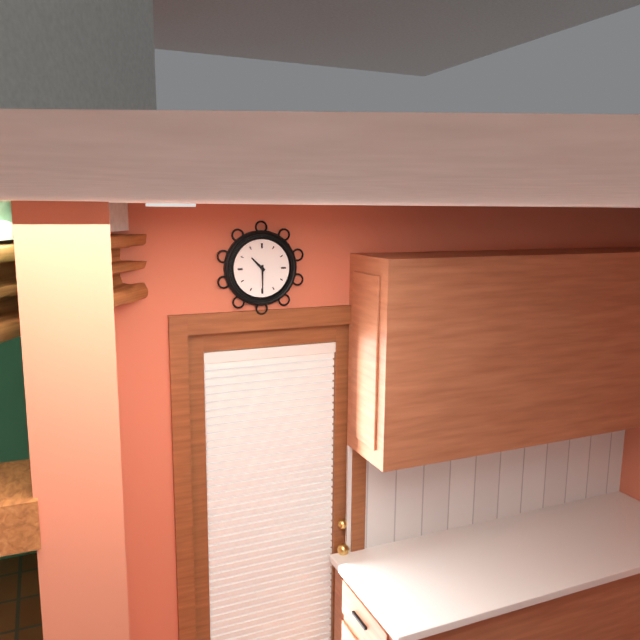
**10:30**
